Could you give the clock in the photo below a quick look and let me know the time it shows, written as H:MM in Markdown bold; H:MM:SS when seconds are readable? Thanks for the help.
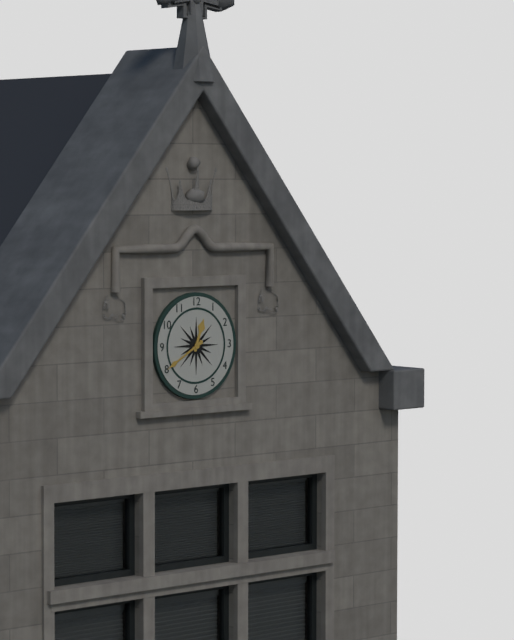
**12:40**
